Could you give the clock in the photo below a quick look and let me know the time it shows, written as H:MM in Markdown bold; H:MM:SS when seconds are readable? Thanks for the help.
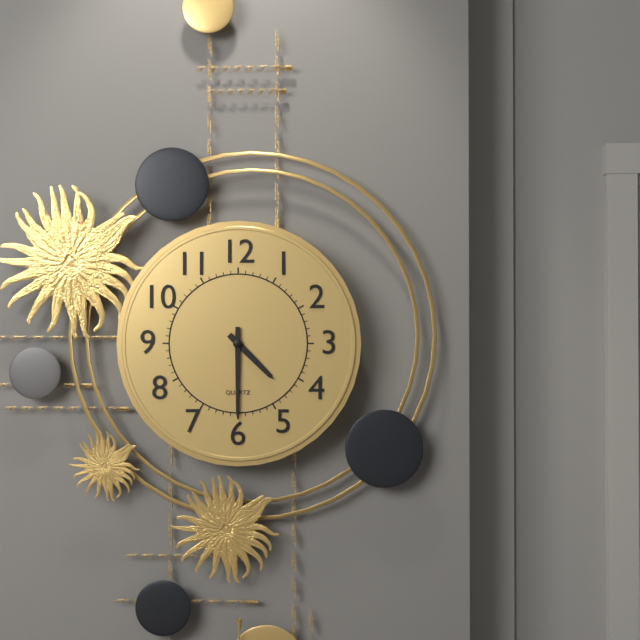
**4:30**
